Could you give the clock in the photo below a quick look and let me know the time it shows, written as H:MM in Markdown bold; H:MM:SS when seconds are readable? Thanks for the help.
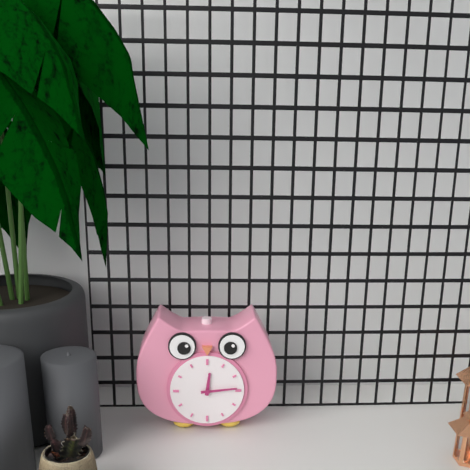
**12:14**
